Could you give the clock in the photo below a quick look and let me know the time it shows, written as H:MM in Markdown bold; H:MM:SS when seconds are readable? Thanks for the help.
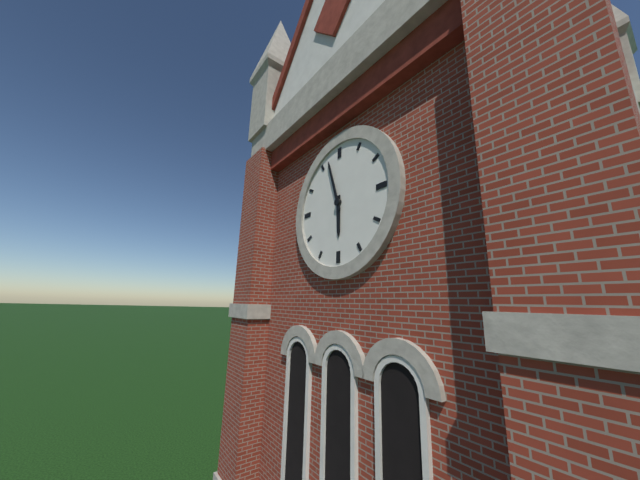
**5:57**
